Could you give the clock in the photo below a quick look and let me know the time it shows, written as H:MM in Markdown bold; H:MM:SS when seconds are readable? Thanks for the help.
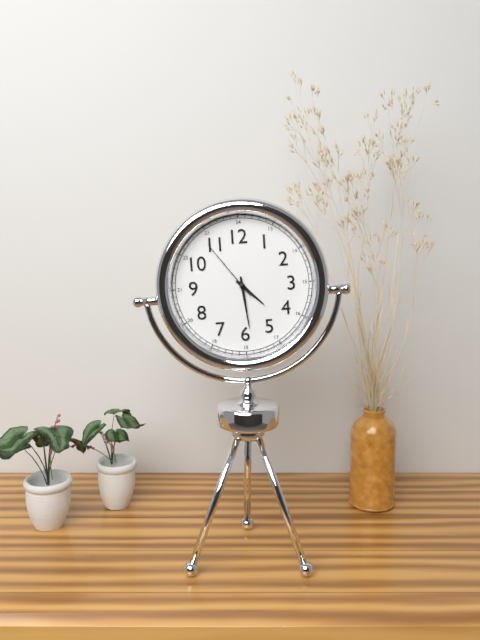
**4:29:54**
